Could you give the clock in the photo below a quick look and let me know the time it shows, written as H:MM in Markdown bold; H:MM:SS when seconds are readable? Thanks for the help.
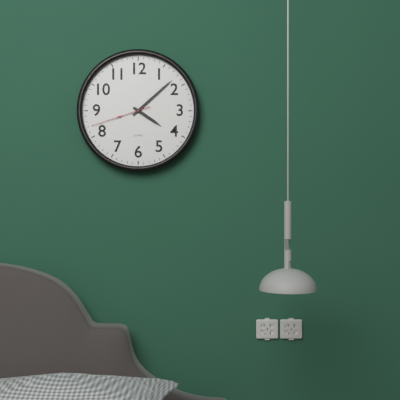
**4:08:42**
